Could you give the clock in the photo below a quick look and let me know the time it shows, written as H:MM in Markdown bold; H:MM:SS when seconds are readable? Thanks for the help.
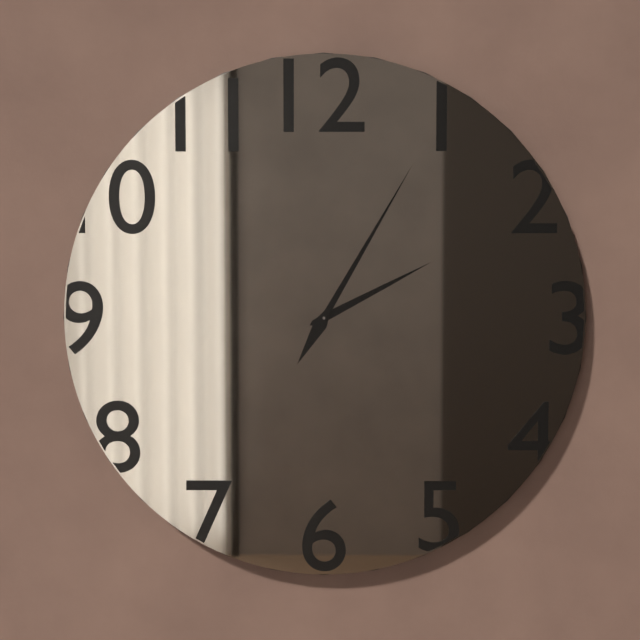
**2:05**
